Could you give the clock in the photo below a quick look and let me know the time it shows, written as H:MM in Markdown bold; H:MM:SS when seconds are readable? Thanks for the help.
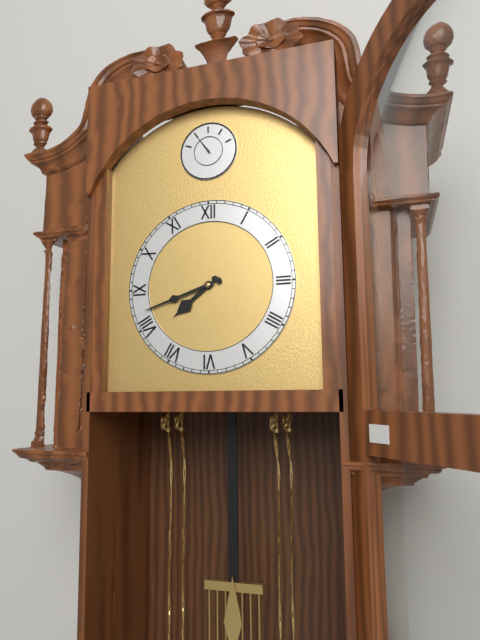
**7:42**
